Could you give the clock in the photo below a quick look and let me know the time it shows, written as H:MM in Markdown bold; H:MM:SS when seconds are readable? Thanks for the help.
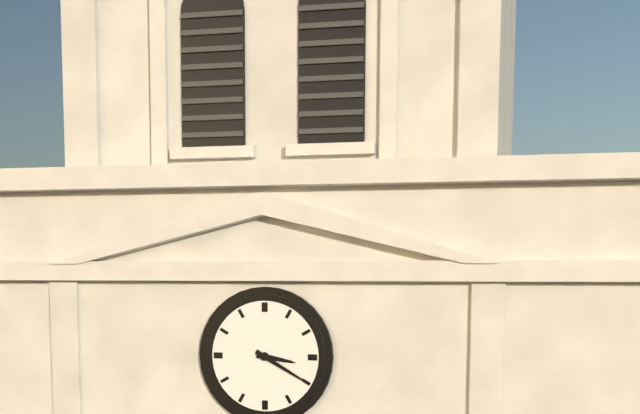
**3:20**
